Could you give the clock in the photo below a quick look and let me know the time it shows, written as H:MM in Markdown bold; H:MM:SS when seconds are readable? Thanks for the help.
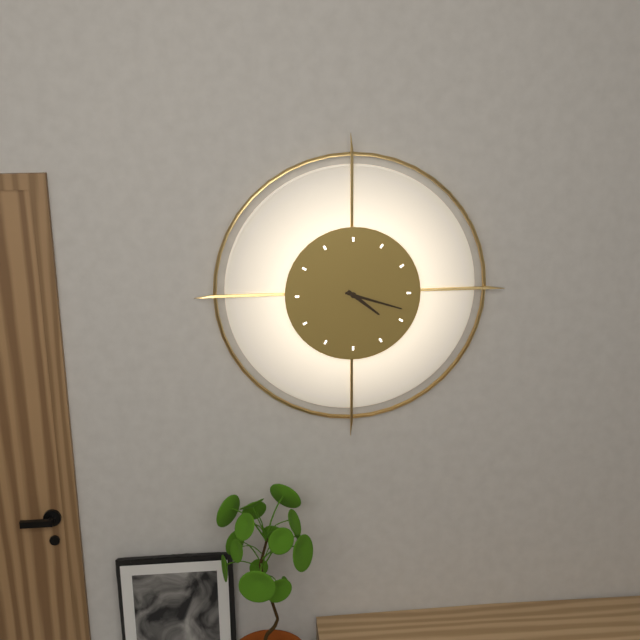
**4:18**
